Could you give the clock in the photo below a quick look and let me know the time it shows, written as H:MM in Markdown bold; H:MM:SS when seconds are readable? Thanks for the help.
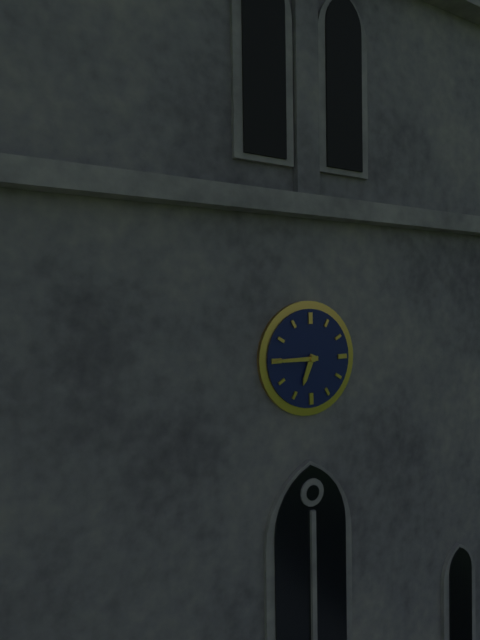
**6:45**
